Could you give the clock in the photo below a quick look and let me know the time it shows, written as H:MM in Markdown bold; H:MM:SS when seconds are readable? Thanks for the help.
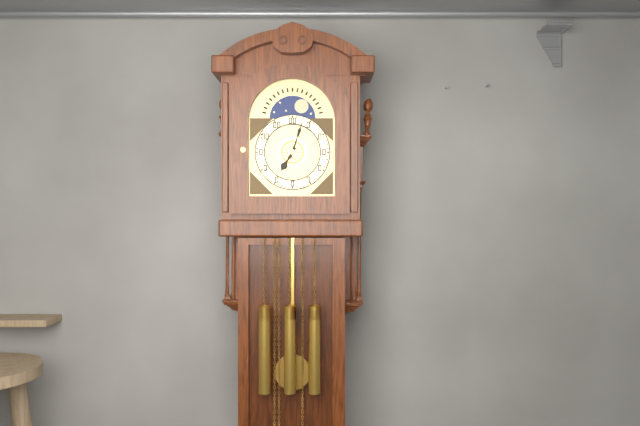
**7:03**
